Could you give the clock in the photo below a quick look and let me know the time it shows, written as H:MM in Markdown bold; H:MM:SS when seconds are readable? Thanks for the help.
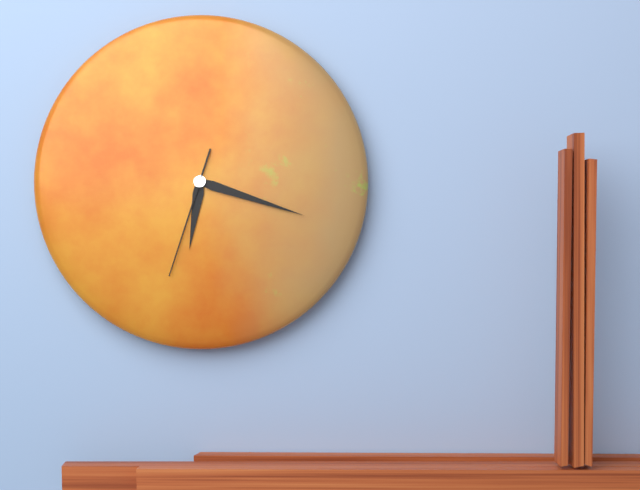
**6:18:33**
